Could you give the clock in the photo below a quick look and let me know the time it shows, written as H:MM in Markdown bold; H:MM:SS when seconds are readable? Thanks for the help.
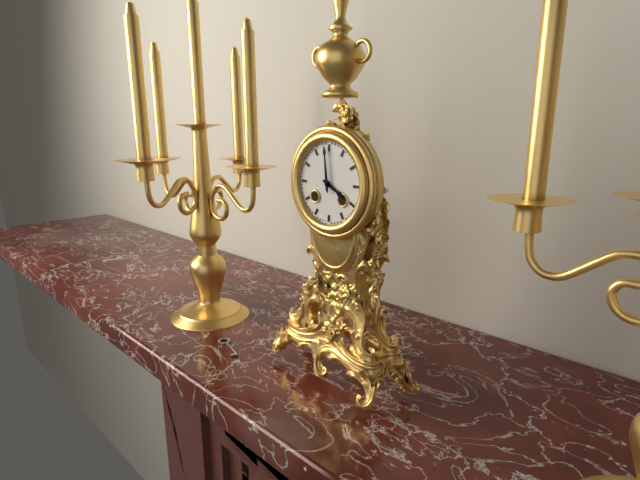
**3:59**
